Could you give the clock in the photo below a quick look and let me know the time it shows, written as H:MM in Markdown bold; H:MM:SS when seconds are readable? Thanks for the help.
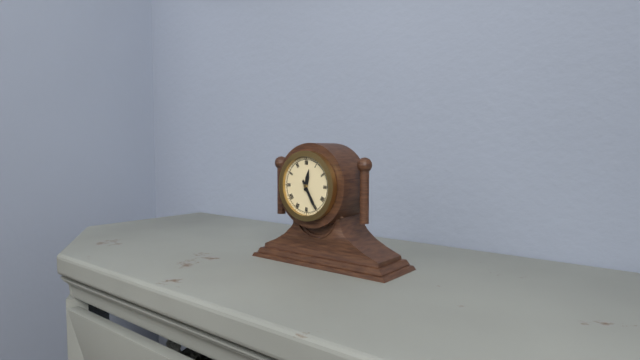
**12:25**
